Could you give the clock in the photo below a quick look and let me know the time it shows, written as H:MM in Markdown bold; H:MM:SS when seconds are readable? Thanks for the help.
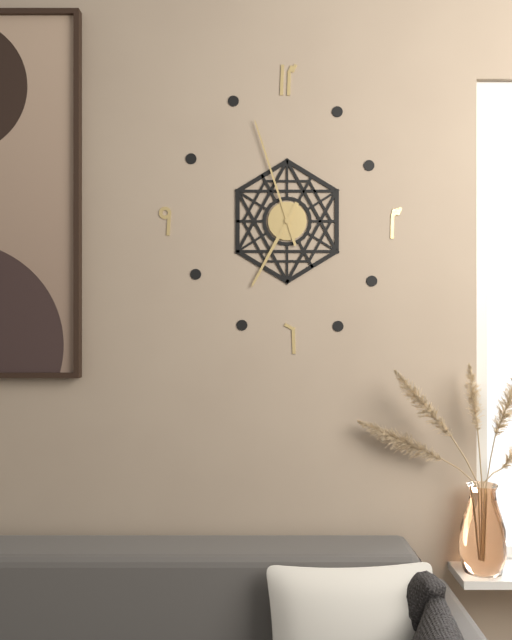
**6:57**
